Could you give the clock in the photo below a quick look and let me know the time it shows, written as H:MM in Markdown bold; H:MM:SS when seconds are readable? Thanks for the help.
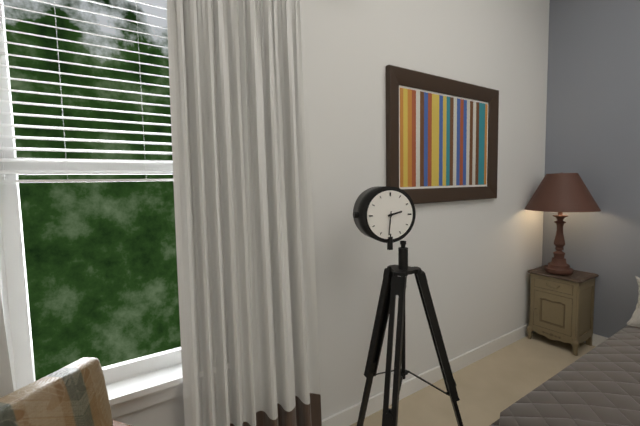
**2:31**
